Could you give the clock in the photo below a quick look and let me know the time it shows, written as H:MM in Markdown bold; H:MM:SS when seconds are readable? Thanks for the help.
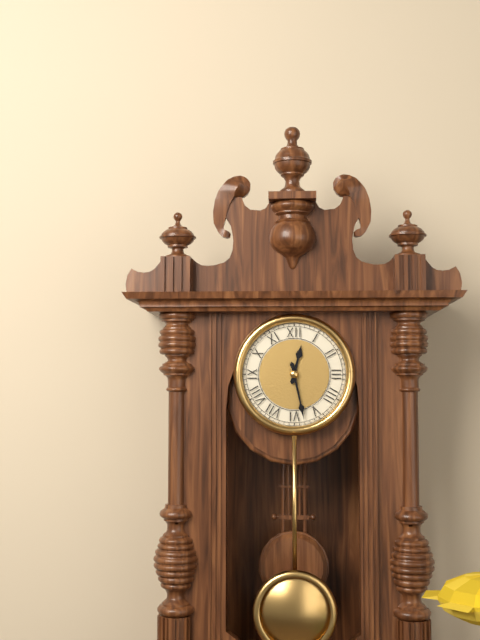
**12:28**
